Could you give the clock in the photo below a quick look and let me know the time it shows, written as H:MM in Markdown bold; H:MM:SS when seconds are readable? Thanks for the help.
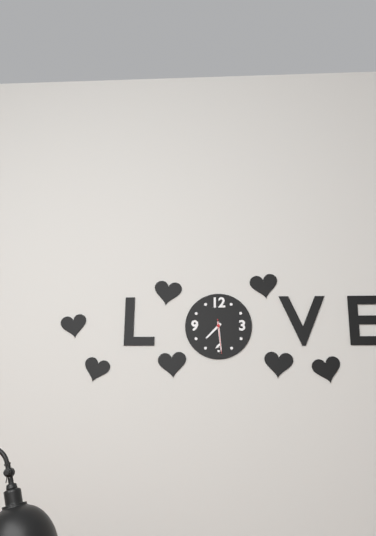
**7:29**
